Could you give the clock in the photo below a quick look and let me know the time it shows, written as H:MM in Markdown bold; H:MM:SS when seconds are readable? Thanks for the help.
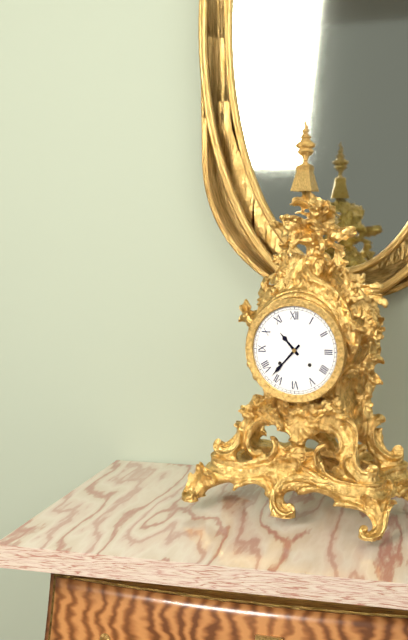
**10:37**
